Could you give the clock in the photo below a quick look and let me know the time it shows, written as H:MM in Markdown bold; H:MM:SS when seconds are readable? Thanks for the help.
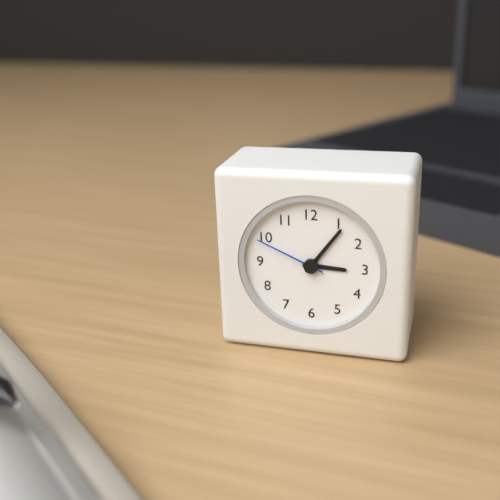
**3:06:49**
